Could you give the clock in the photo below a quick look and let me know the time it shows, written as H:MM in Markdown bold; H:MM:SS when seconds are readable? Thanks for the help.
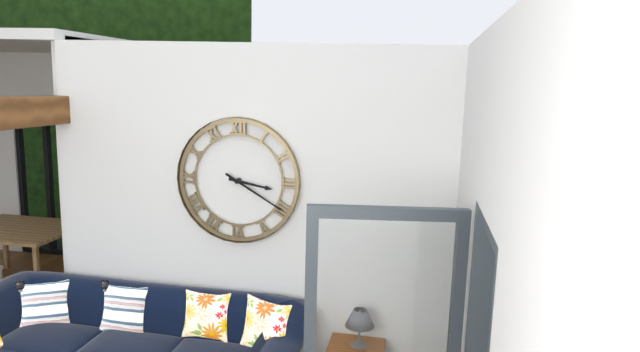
**3:20**
